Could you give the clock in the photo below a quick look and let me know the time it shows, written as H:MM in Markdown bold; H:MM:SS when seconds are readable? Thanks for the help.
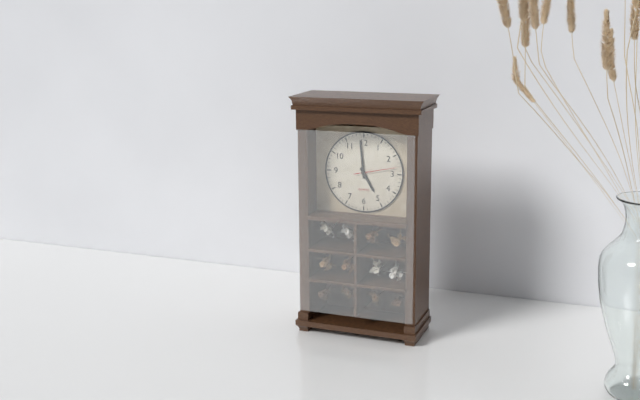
**4:59**
